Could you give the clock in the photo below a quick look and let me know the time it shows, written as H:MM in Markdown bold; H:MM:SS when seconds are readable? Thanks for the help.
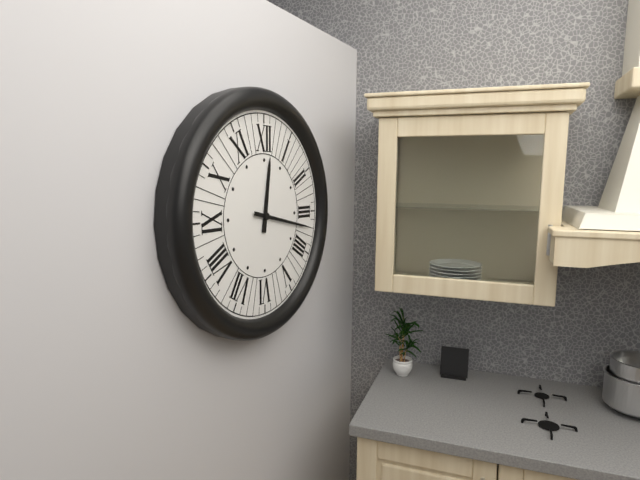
**12:17**
